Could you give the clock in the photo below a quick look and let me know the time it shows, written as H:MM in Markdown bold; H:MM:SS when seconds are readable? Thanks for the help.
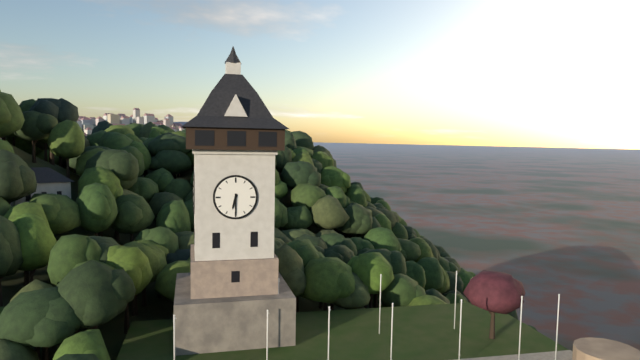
**6:30**
